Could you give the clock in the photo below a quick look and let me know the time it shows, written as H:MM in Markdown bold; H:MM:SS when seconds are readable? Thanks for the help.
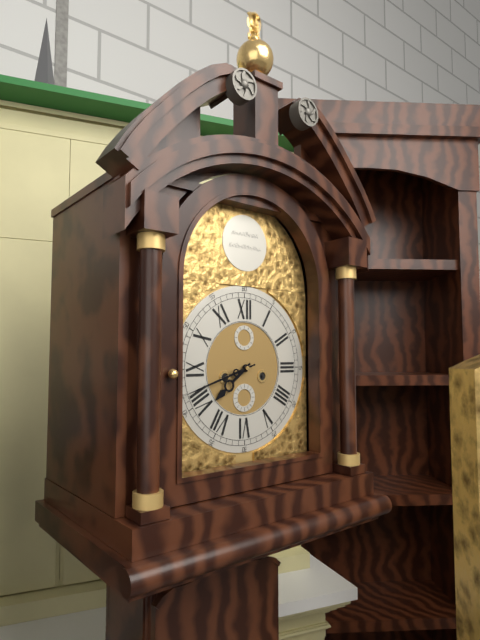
**7:42**
